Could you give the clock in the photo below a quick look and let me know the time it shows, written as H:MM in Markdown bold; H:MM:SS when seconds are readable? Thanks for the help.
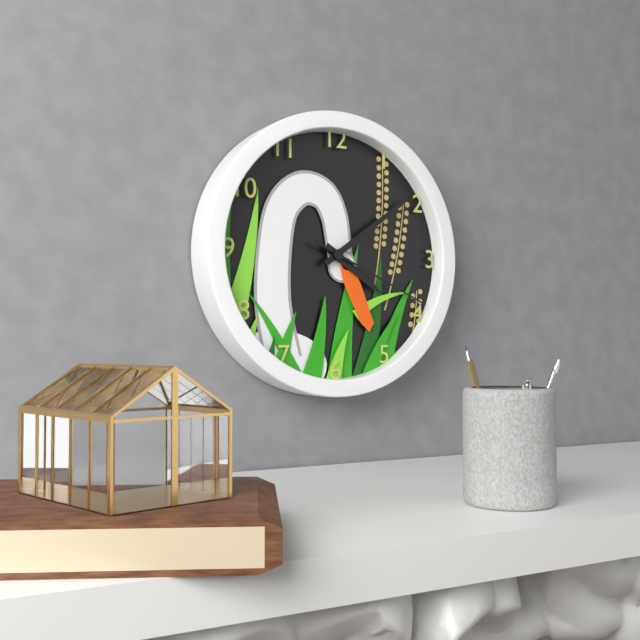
**4:09:19**
